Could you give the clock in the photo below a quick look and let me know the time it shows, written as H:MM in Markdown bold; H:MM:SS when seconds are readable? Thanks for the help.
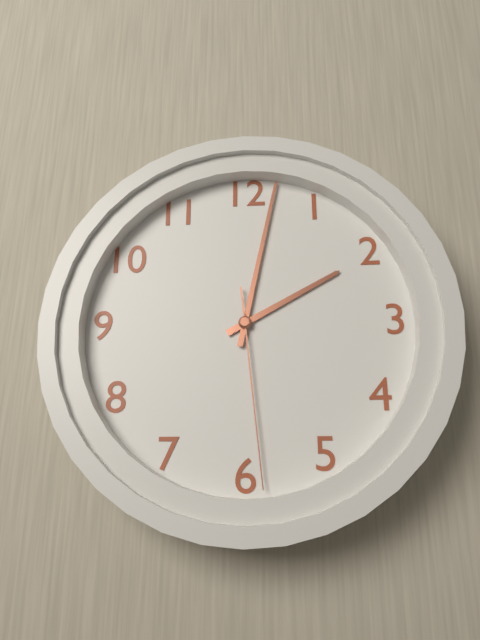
**2:02:29**
